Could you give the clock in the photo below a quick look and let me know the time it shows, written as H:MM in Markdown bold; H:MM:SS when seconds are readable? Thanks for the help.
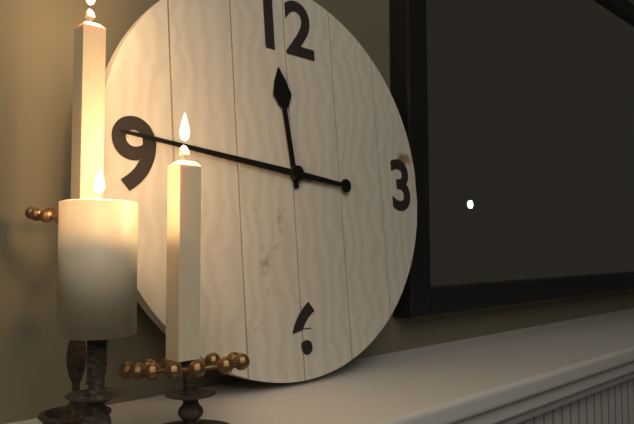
**11:46**
